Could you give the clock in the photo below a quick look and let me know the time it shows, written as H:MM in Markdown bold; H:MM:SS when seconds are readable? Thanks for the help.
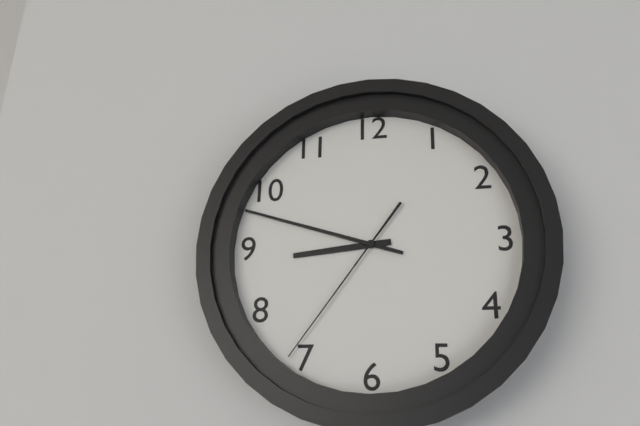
**8:48:36**
